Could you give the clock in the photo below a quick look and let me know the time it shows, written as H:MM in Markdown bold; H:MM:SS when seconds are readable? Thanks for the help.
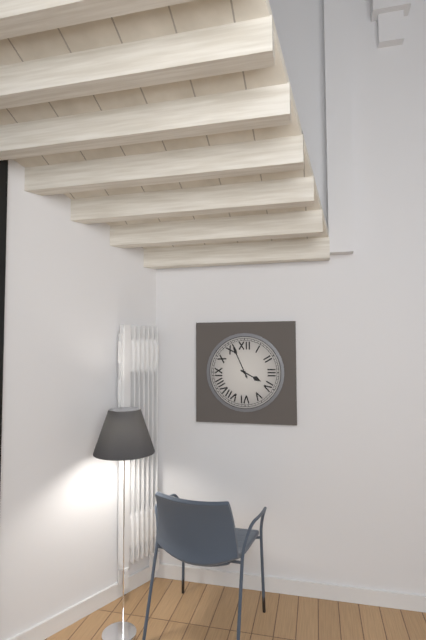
**3:56**
